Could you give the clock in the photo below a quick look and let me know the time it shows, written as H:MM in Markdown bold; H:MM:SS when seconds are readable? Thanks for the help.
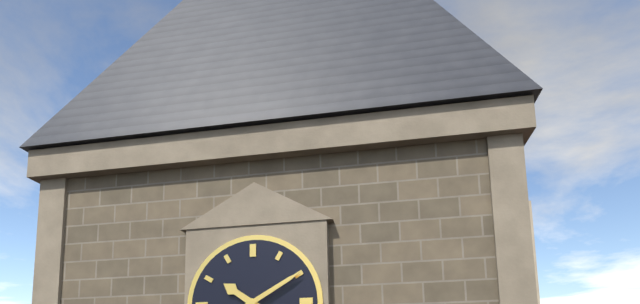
**10:10**
